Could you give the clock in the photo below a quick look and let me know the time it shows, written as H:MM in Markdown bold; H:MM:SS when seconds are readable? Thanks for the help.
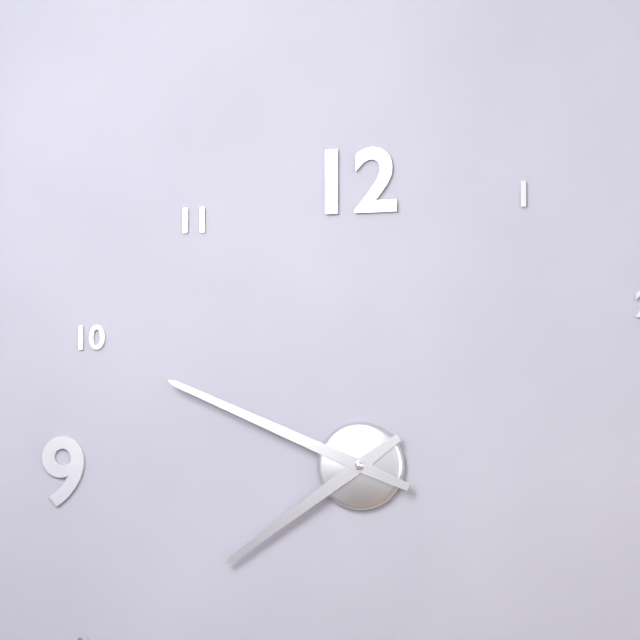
**7:49**
